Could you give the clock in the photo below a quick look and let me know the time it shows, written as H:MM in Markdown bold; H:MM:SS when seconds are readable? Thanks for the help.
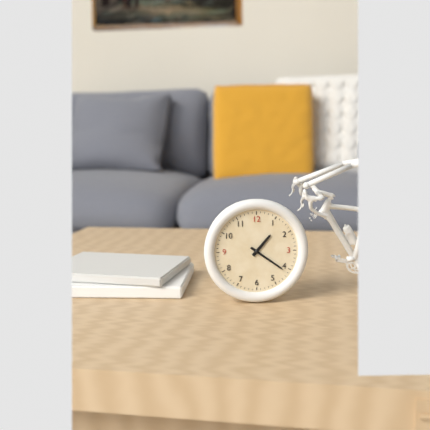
**1:21**
